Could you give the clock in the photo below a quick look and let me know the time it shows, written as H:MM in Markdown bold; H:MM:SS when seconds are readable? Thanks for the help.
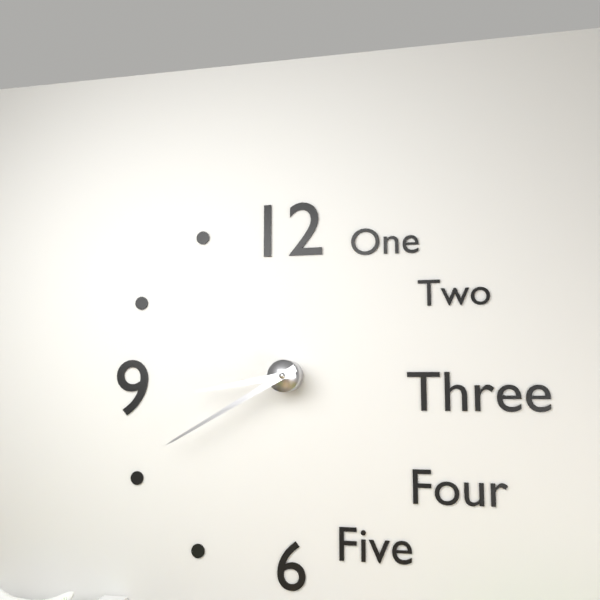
**8:40**
